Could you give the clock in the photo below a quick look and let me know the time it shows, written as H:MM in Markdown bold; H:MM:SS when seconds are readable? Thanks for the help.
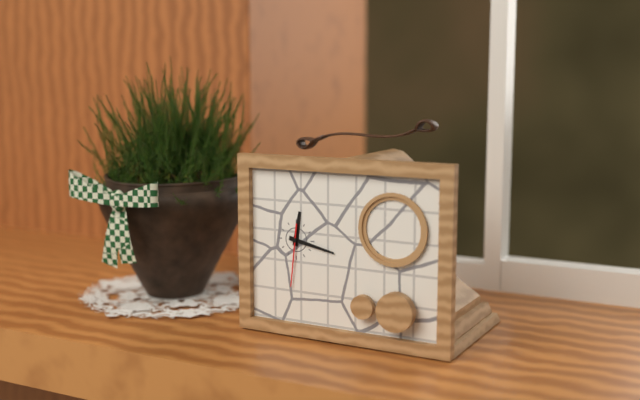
**12:17:31**
